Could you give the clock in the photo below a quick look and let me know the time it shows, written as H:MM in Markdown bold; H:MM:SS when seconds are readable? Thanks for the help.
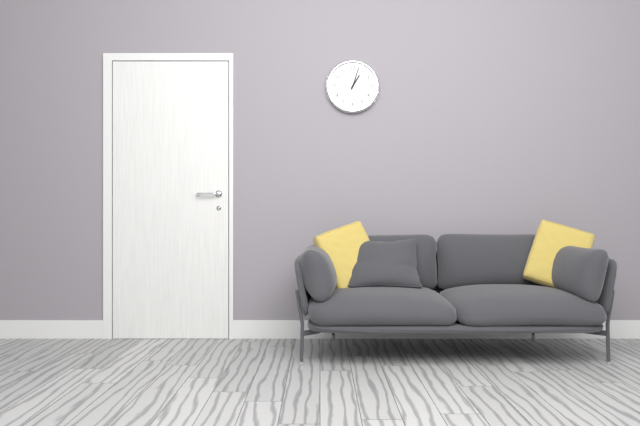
**1:03**
